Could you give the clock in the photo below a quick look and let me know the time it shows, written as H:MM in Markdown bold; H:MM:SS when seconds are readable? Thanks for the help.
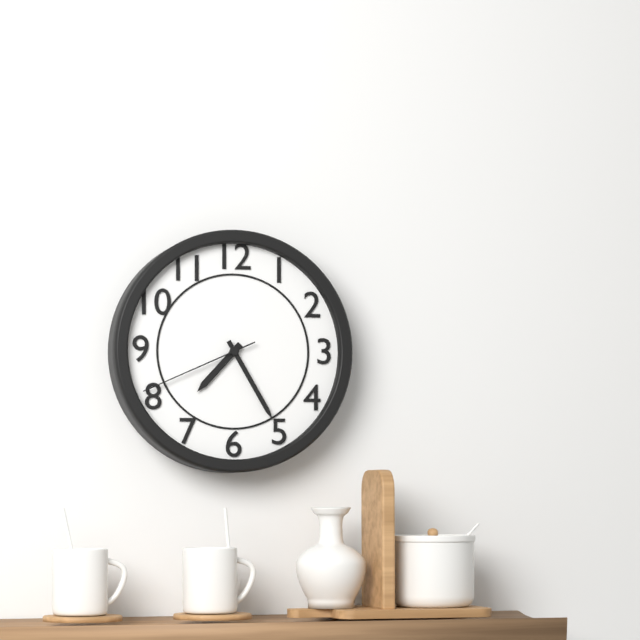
**7:25:41**
